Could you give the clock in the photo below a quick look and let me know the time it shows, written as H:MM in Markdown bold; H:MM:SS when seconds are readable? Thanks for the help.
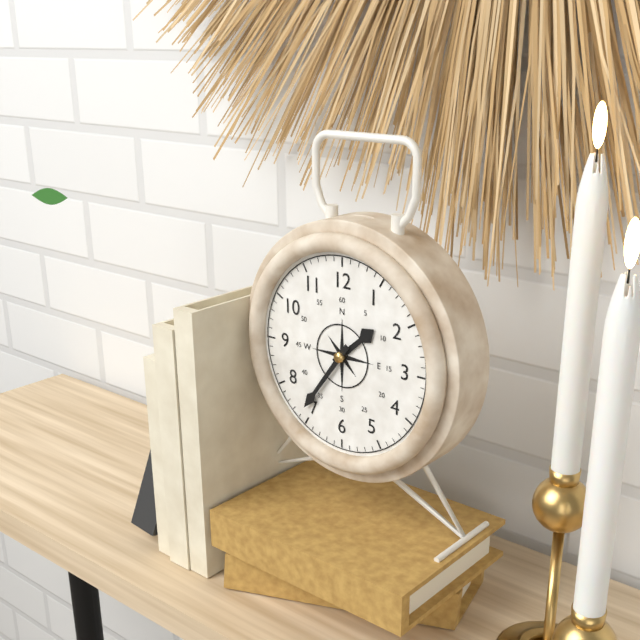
**1:36**
